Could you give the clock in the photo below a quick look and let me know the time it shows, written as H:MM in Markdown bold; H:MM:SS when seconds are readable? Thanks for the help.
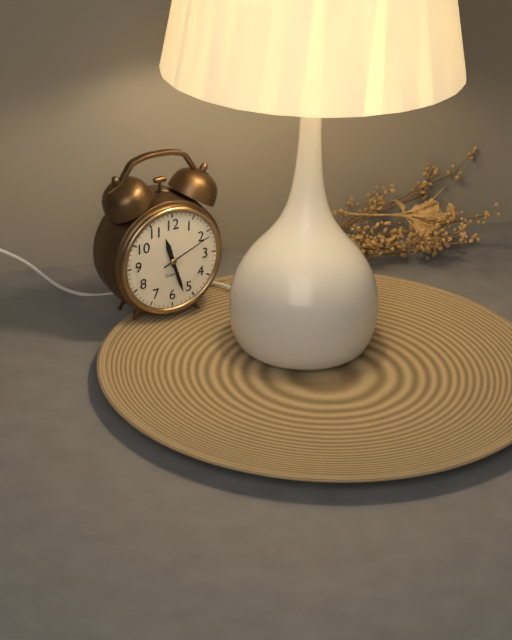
**11:27:11**
